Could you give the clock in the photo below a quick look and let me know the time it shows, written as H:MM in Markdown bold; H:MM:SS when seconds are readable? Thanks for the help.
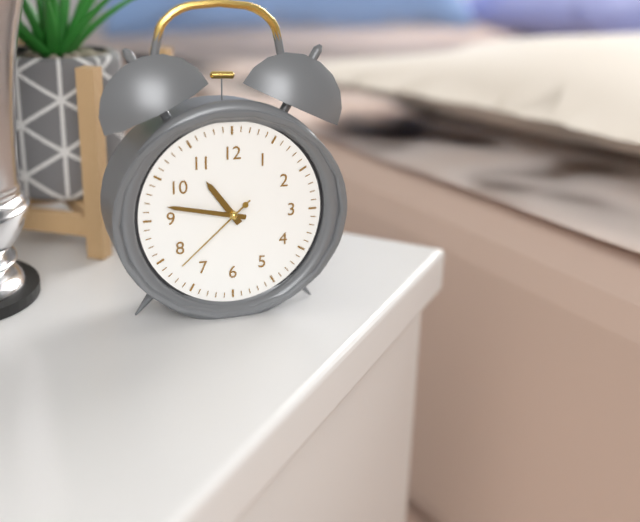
**10:47:38**
